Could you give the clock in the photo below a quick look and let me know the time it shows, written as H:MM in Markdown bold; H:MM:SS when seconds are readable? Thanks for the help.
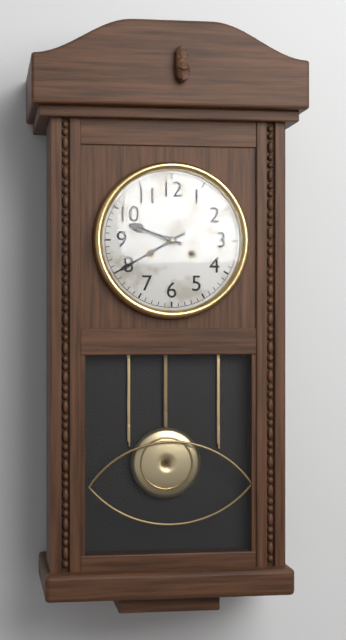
**9:40**
